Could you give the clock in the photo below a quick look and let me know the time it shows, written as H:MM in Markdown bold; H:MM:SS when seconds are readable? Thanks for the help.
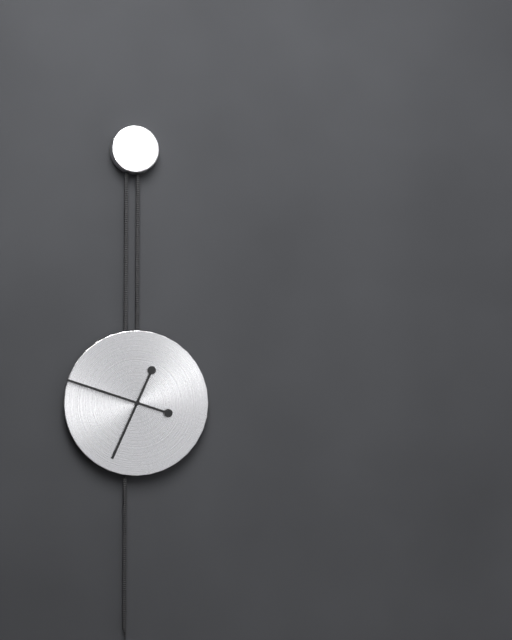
**6:48**
